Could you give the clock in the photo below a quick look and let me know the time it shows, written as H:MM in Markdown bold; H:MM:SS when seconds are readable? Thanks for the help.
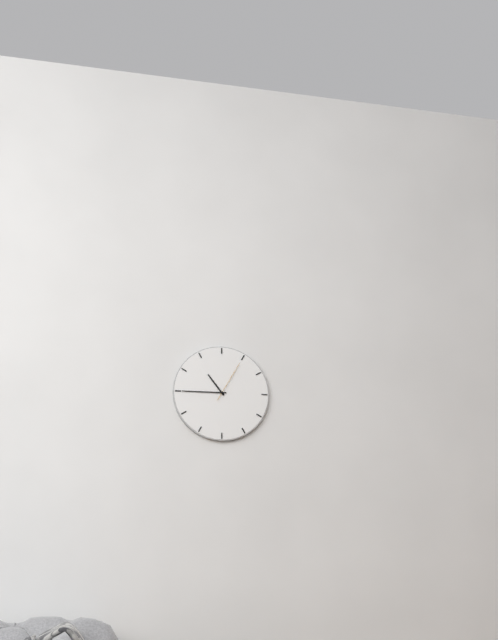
**10:45**
